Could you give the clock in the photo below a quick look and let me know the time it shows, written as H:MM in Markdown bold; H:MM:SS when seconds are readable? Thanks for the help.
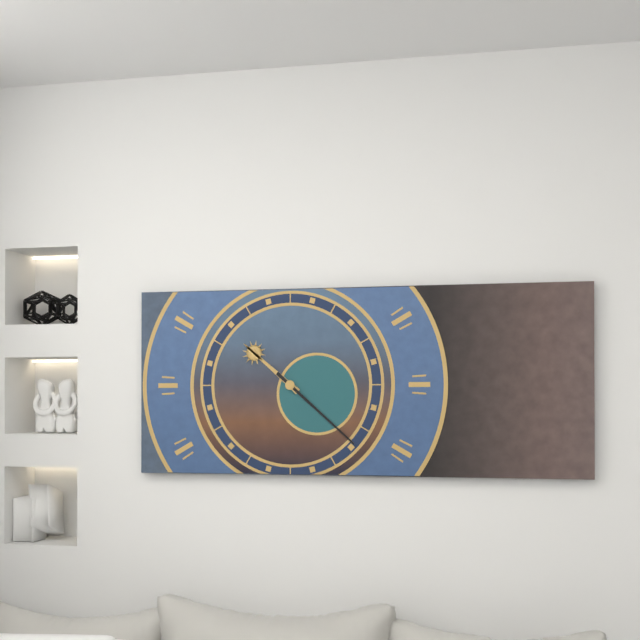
**10:22**
